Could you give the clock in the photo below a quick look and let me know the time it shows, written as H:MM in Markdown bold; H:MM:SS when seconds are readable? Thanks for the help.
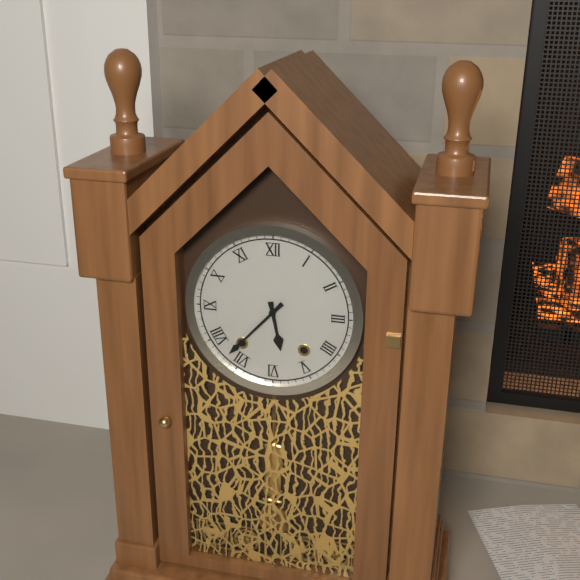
**5:37**
